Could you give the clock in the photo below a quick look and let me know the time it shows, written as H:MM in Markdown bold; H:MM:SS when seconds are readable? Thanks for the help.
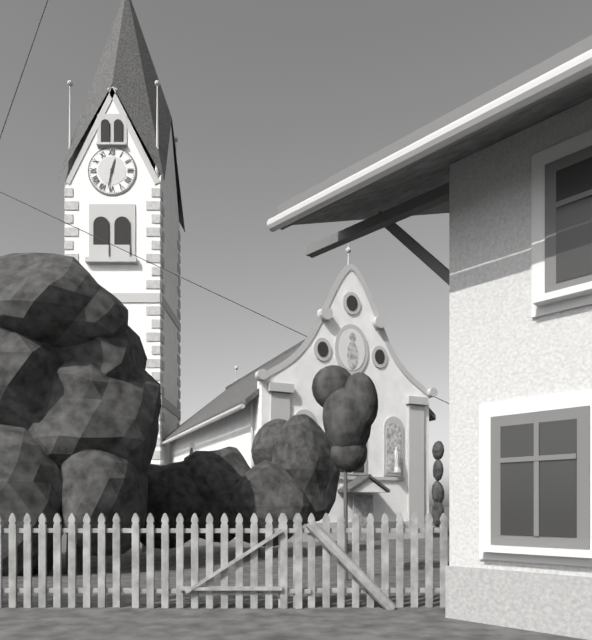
**12:32**
